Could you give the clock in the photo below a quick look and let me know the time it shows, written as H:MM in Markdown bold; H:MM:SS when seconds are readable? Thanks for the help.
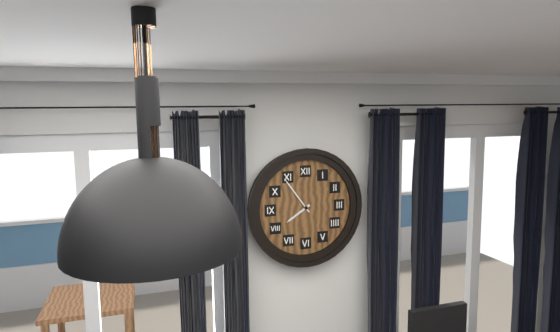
**7:54**
